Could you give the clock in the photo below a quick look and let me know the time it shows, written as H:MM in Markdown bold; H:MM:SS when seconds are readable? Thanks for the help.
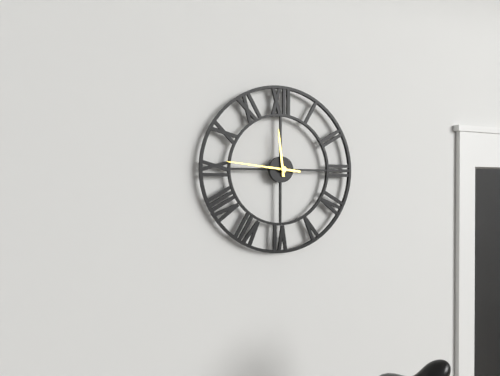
**11:46**
